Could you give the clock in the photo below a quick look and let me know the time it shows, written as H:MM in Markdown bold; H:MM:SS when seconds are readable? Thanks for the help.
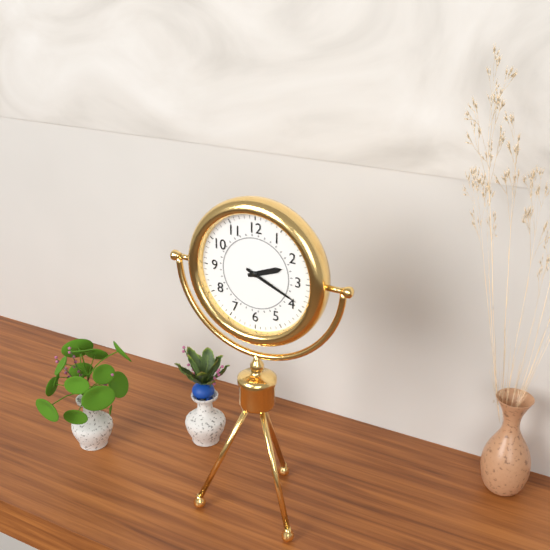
**2:19**
